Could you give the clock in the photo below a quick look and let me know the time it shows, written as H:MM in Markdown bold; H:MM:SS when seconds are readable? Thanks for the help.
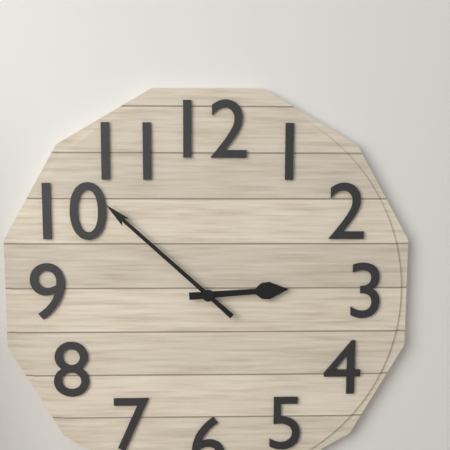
**2:52**
